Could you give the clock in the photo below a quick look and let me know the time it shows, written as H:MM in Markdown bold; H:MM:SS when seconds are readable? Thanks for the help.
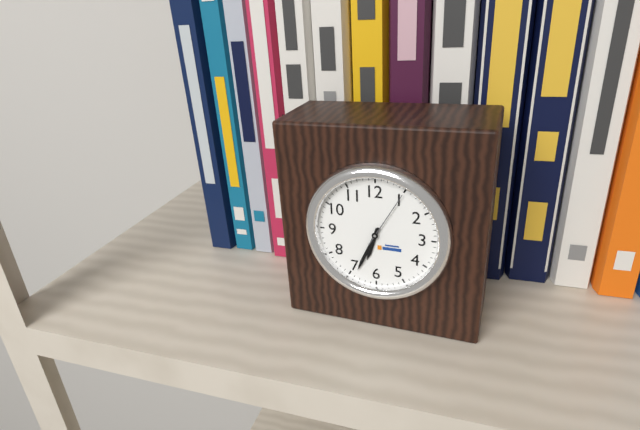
**6:34**
